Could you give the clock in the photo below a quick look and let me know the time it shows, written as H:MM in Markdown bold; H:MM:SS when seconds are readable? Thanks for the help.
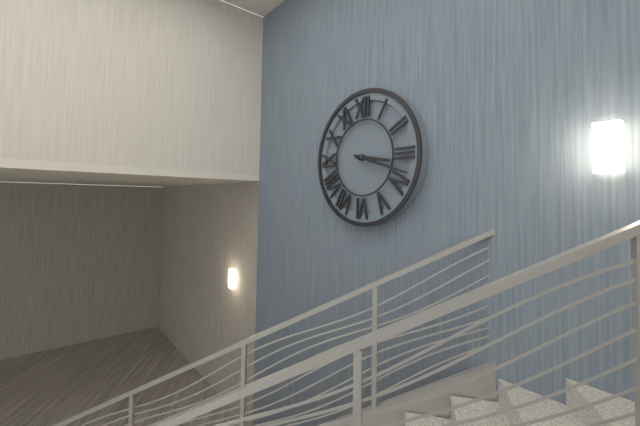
**3:18**
